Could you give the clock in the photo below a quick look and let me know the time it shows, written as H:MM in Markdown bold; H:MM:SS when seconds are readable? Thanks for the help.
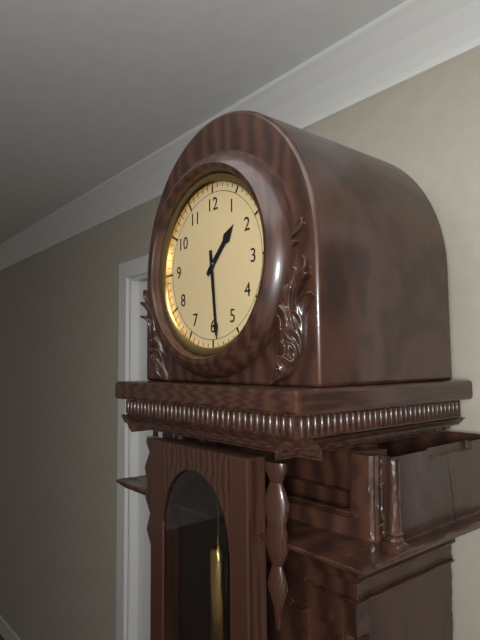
**1:29**
